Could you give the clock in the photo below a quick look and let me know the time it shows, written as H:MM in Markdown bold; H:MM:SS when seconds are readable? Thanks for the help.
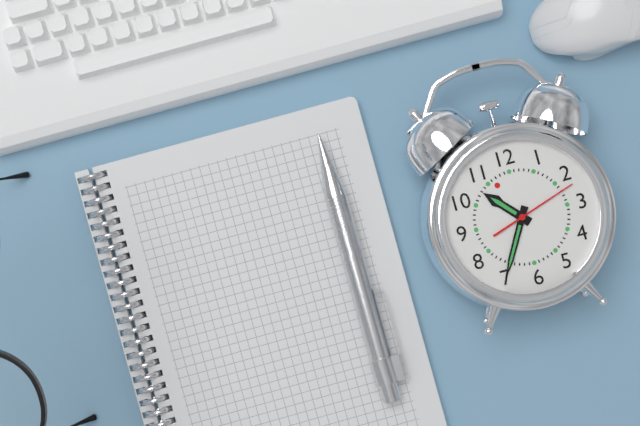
**10:35:12**
